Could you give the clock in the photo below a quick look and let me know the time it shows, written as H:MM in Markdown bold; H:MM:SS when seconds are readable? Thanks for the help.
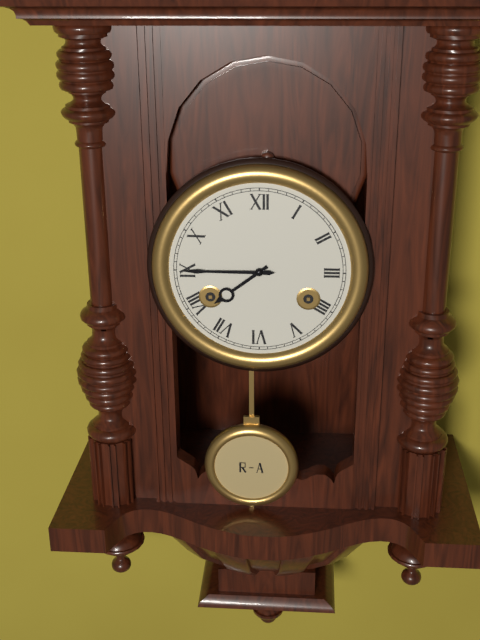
**7:45**
